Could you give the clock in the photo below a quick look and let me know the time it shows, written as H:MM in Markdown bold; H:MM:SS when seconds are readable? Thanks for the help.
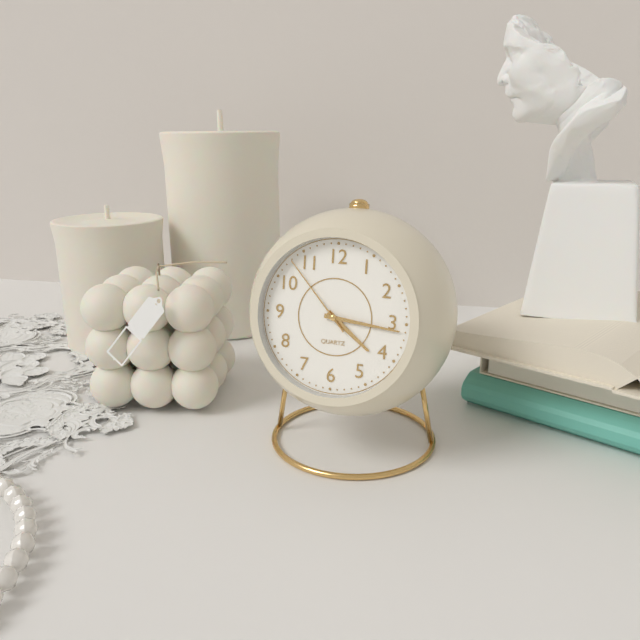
**4:16:53**
